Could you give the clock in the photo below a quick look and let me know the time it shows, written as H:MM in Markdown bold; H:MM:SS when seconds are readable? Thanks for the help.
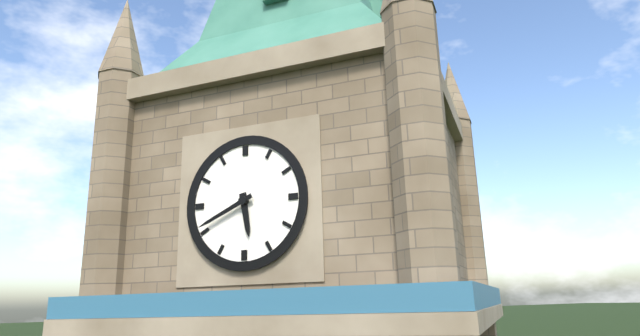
**5:41**
